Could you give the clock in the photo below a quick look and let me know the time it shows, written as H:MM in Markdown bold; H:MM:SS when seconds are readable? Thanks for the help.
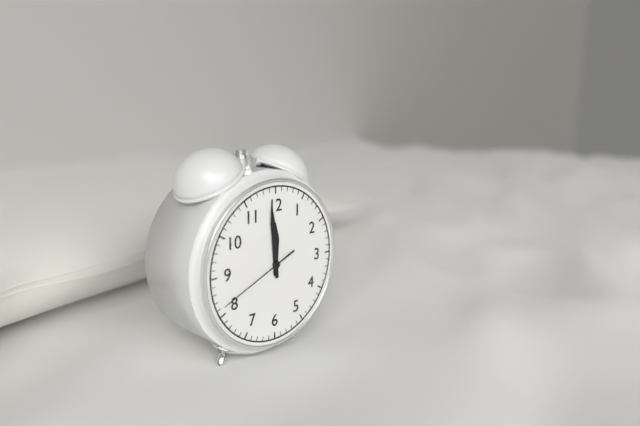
**11:59:41**
